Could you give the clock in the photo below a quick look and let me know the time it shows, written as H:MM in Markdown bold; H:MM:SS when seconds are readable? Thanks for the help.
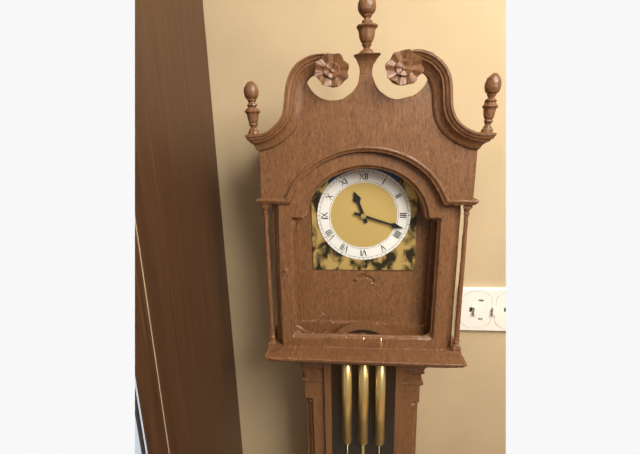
**11:18**
